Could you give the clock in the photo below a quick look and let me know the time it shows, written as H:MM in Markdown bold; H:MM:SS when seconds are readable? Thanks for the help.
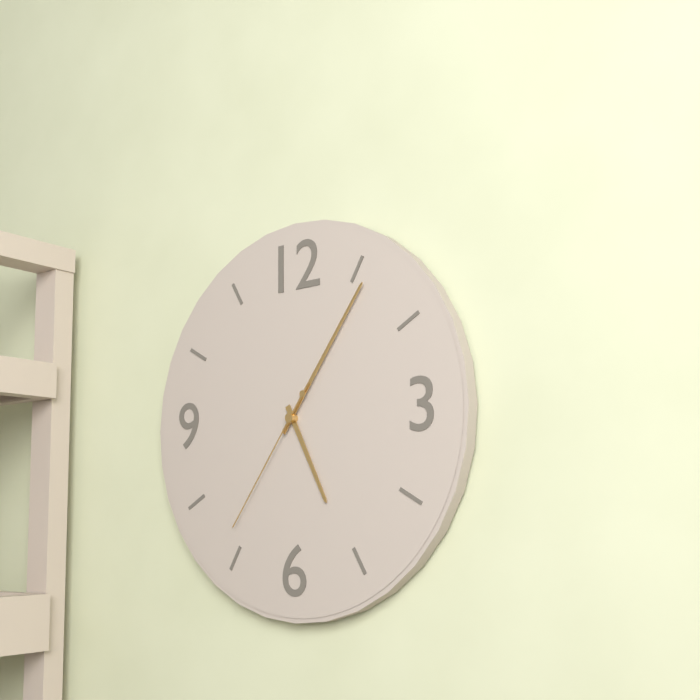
**5:06:36**
